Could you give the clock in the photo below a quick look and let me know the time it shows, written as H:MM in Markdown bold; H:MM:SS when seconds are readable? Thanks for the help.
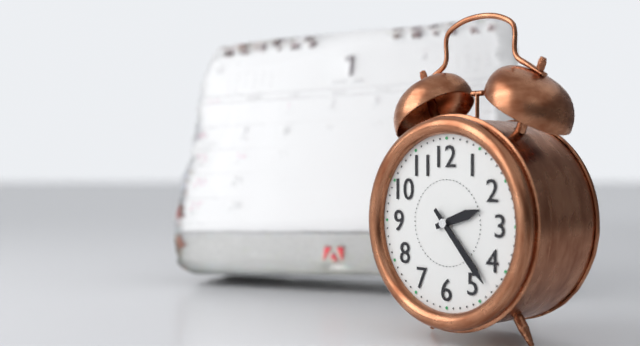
**2:23**
